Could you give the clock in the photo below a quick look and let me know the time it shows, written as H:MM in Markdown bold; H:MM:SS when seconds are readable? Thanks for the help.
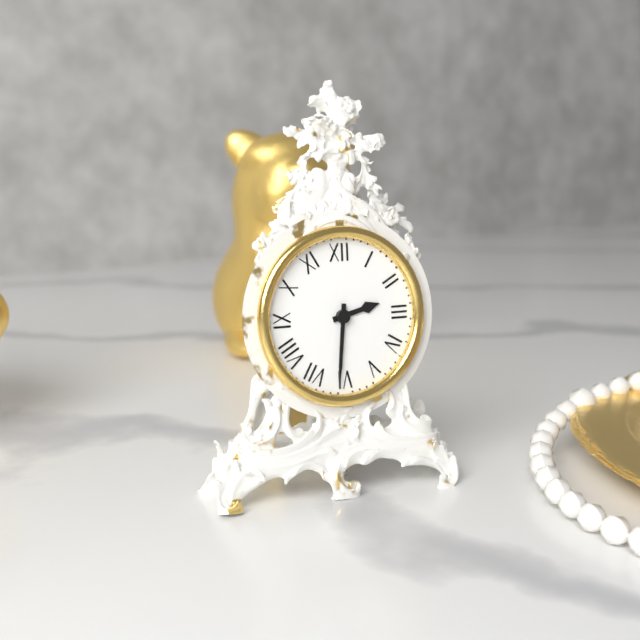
**2:31**
